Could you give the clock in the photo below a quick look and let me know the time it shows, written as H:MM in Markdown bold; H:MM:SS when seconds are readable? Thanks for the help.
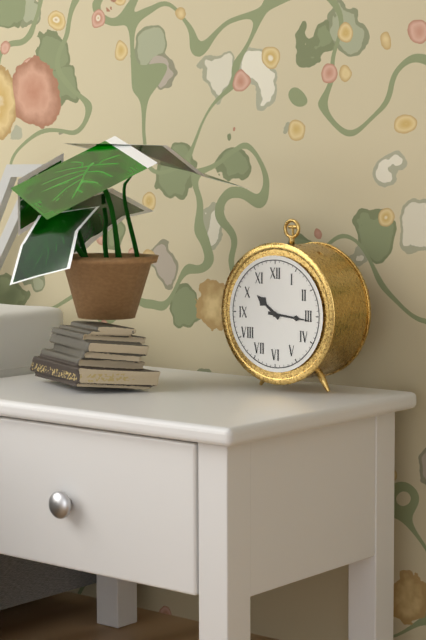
**10:16**
